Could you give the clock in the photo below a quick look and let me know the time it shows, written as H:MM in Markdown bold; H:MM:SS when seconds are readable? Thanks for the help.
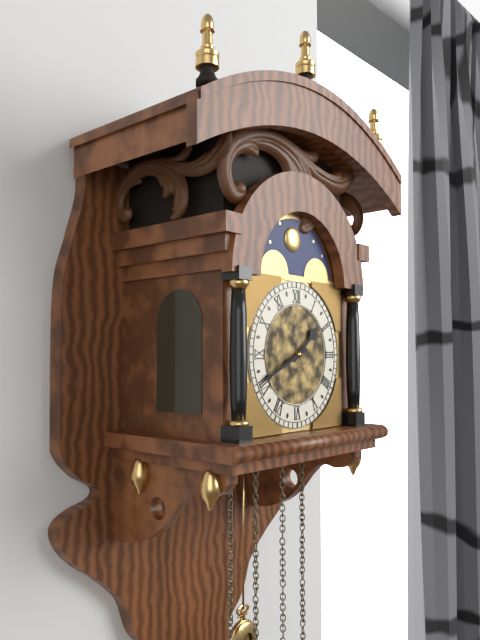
**1:41**
